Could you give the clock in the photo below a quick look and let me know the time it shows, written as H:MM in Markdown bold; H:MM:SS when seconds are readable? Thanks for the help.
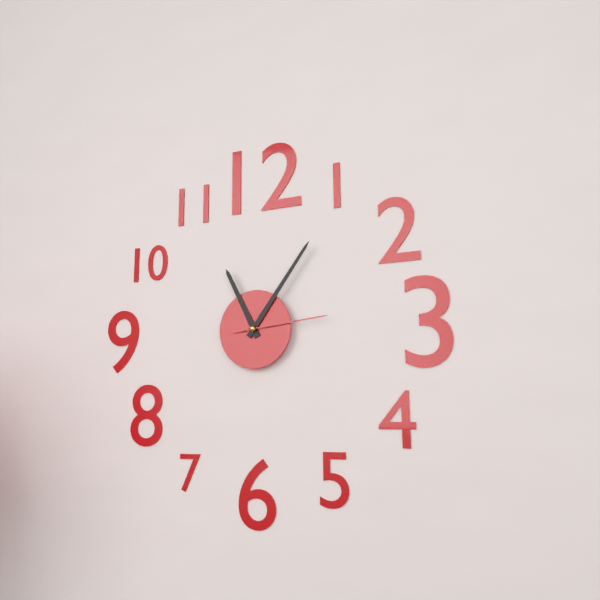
**11:06:14**
